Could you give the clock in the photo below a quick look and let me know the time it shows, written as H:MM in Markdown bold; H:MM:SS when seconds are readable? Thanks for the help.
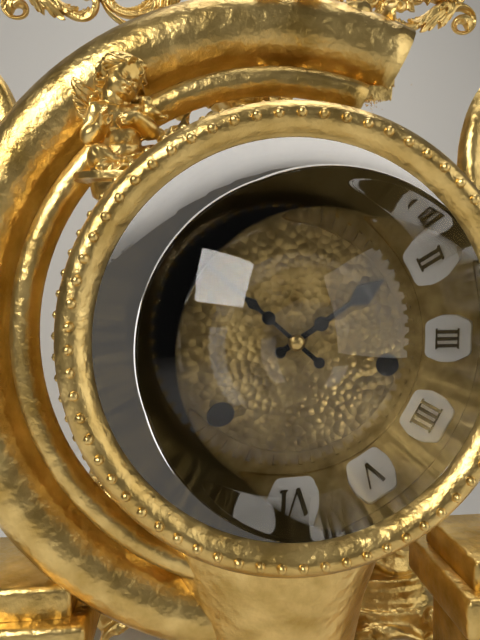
**1:52**
